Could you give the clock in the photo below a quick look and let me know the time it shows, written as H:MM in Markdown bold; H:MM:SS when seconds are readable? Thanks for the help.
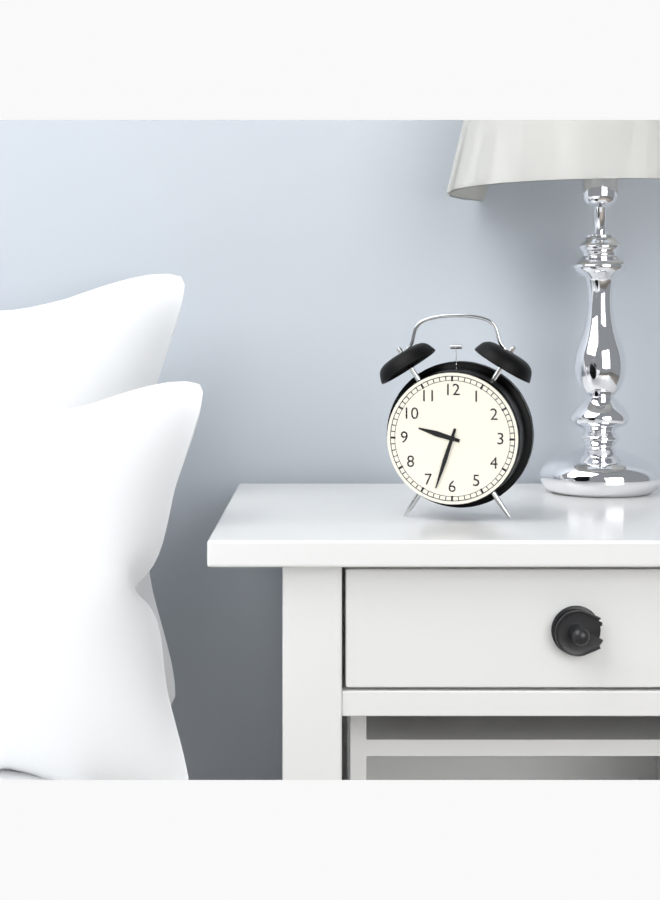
**9:33**
